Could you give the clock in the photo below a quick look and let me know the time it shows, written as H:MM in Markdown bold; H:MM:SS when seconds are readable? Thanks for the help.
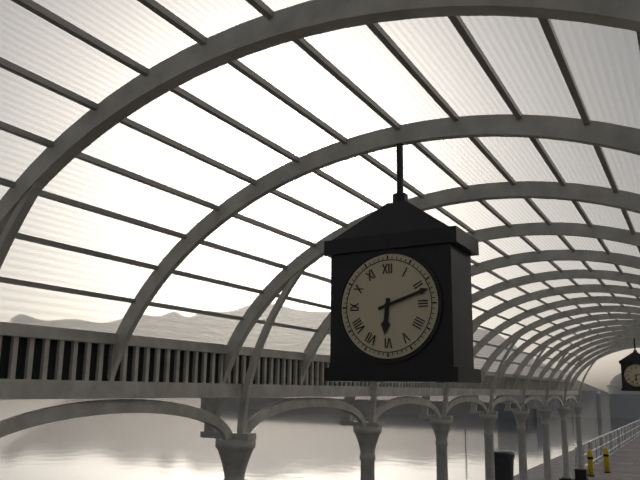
**6:12**
